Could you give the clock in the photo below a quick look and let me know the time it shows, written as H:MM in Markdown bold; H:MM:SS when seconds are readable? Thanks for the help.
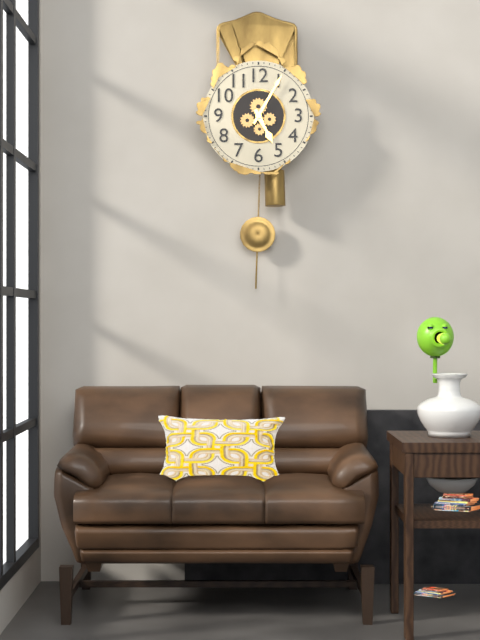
**5:05**
